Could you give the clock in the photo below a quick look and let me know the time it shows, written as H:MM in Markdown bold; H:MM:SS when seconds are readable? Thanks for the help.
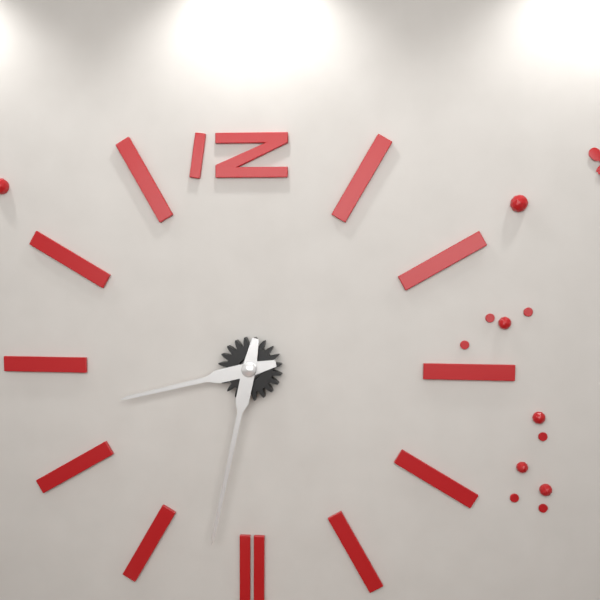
**8:32**
